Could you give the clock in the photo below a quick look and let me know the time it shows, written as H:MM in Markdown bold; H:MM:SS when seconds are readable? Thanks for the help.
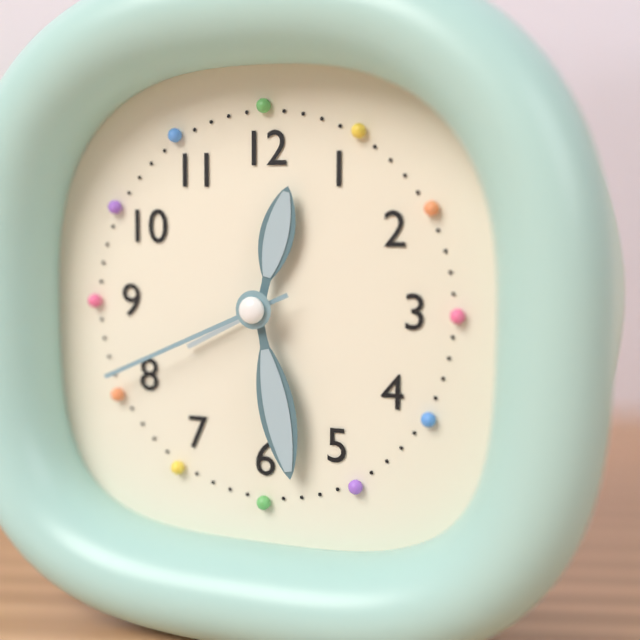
**12:28:41**
